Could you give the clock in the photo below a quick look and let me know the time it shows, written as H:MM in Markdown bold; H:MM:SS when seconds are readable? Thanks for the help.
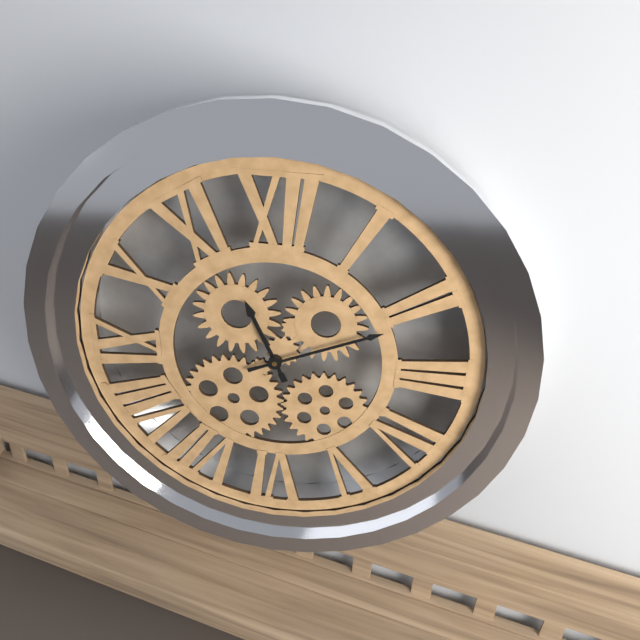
**11:11**
